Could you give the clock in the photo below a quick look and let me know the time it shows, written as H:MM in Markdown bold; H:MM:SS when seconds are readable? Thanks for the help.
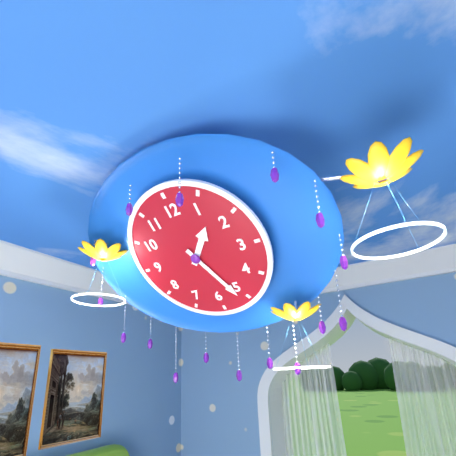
**1:26**
